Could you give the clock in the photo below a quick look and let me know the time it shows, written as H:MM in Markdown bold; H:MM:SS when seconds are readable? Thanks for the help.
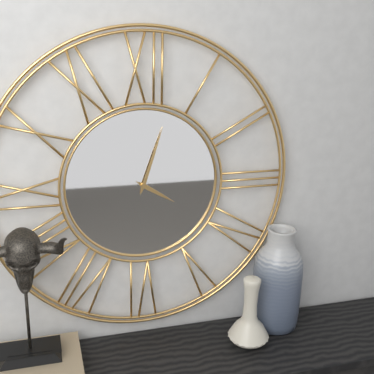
**4:03**
